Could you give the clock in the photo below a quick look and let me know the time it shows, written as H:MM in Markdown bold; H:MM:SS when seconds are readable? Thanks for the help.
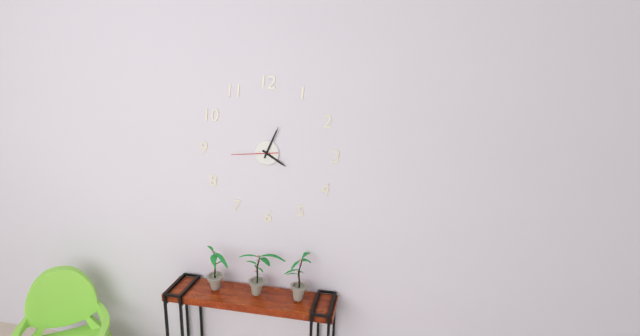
**4:04**
